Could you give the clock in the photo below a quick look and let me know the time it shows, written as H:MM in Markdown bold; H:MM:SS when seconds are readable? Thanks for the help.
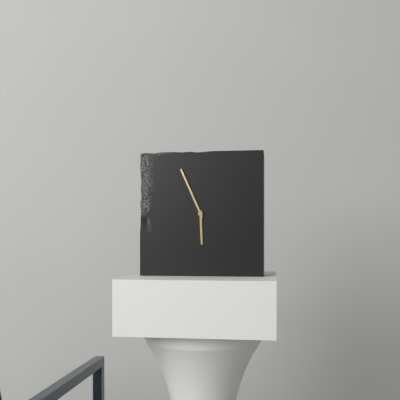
**5:56**
